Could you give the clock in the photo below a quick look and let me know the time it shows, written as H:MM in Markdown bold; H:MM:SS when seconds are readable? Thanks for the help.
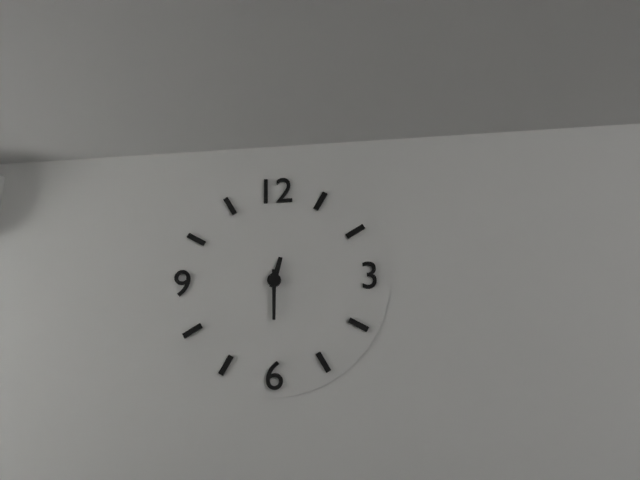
**12:30**
